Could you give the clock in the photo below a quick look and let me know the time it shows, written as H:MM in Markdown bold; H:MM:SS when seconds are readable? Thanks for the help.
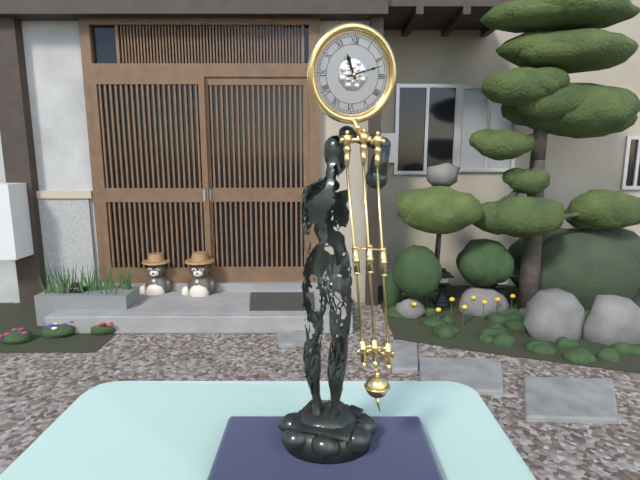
**11:12**
